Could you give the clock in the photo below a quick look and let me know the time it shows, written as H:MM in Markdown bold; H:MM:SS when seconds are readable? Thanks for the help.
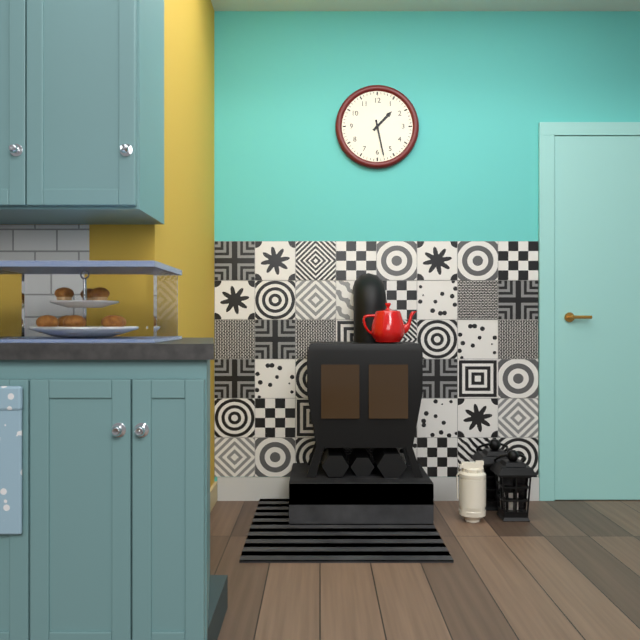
**1:28**
